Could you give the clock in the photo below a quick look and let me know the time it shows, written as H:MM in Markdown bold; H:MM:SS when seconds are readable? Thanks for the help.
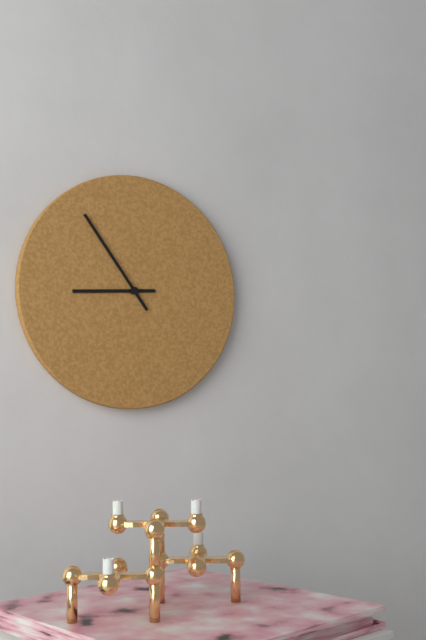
**8:54**
